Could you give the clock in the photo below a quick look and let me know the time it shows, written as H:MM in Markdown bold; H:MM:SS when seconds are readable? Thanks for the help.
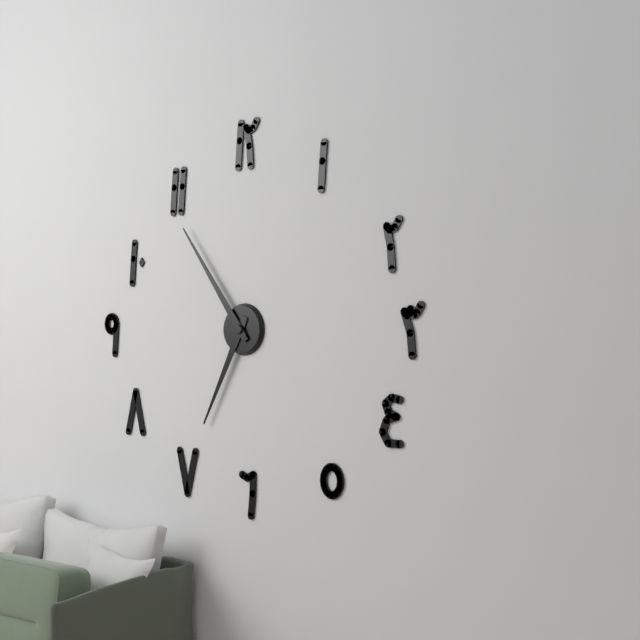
**6:54**
